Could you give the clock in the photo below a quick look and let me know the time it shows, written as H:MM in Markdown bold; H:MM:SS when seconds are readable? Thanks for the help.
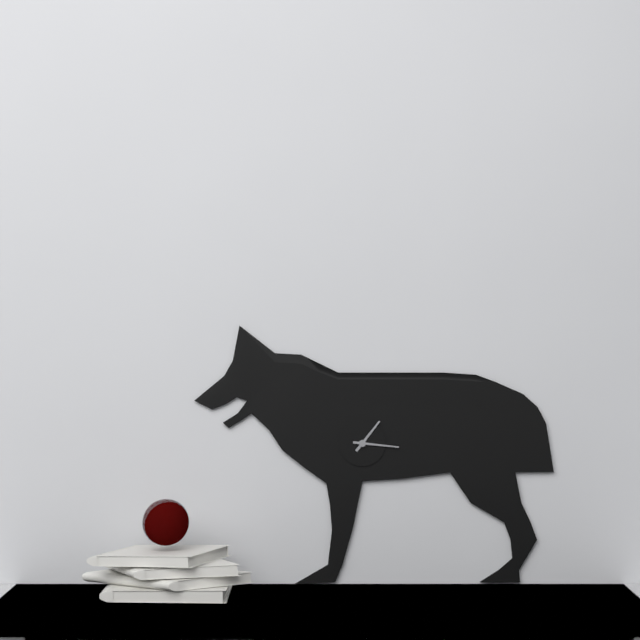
**1:16**
